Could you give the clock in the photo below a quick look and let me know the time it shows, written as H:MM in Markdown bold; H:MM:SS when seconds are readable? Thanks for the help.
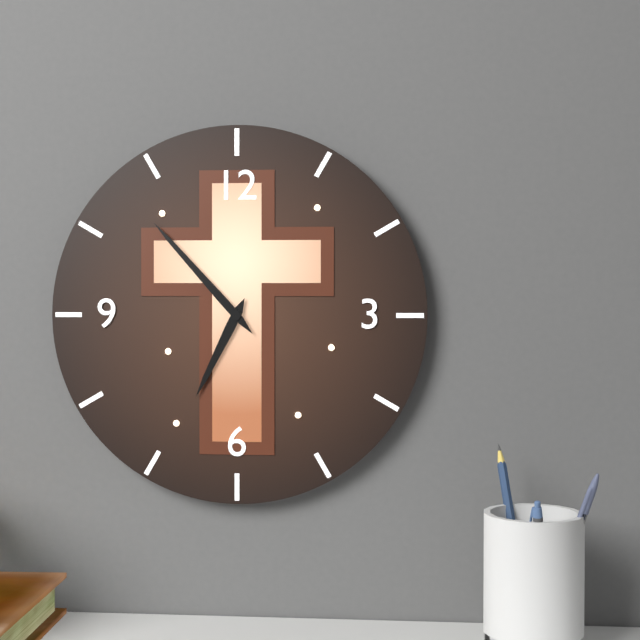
**6:53**
